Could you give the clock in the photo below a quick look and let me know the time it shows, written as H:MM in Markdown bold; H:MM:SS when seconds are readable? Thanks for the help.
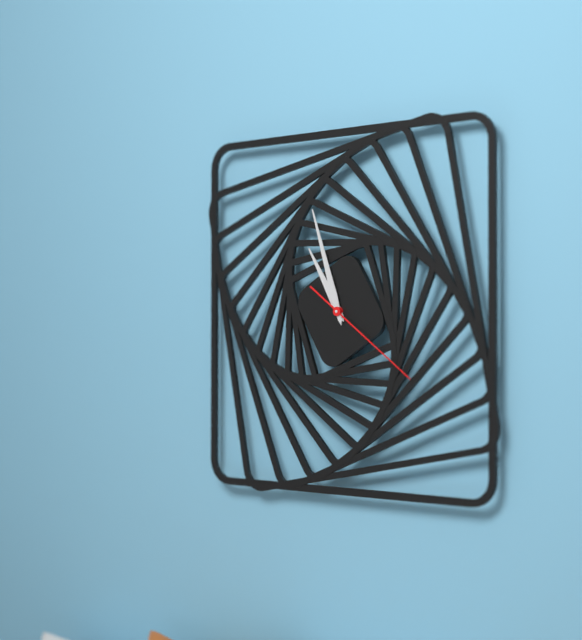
**10:57:21**
